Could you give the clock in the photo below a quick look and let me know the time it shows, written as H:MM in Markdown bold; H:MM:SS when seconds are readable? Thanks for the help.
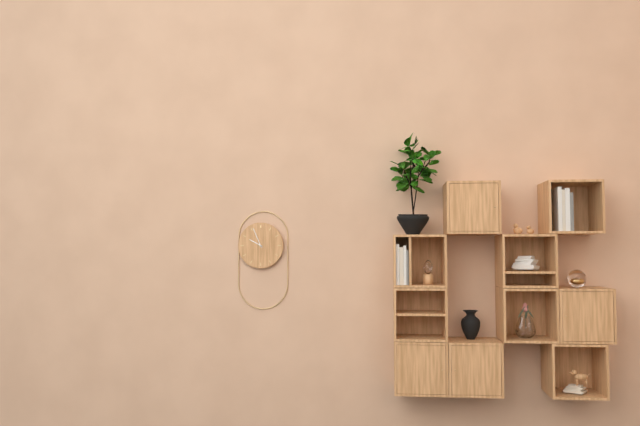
**9:56**
